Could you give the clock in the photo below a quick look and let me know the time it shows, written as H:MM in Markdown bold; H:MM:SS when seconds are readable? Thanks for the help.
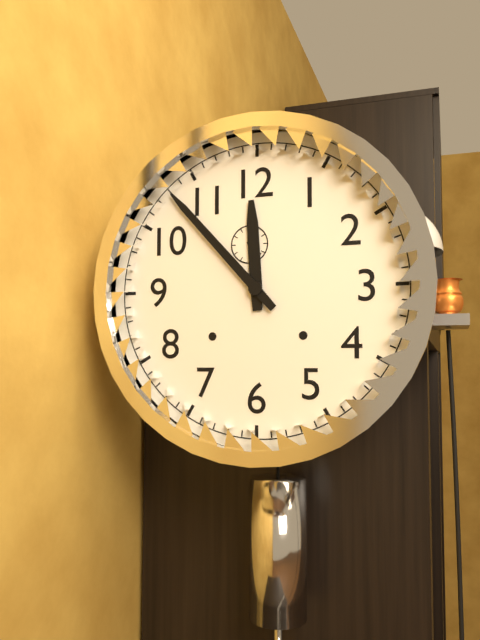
**11:53**
